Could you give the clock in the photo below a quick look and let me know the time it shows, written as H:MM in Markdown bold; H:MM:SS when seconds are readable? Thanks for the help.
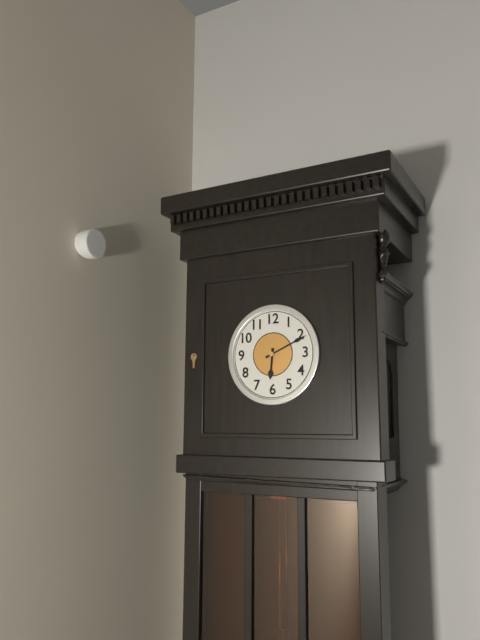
**6:11**
